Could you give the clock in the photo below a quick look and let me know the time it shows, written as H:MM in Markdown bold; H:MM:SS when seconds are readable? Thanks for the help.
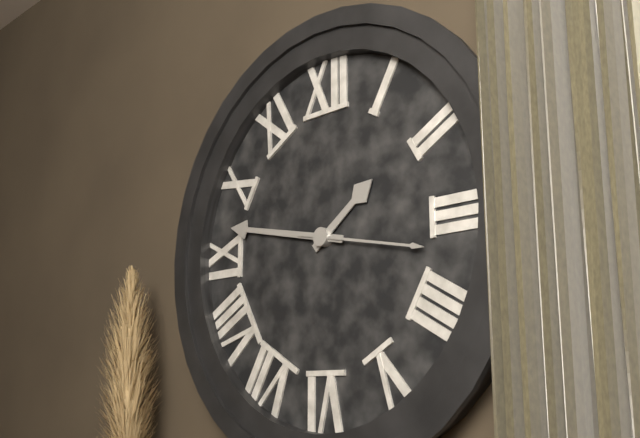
**1:47:17**
